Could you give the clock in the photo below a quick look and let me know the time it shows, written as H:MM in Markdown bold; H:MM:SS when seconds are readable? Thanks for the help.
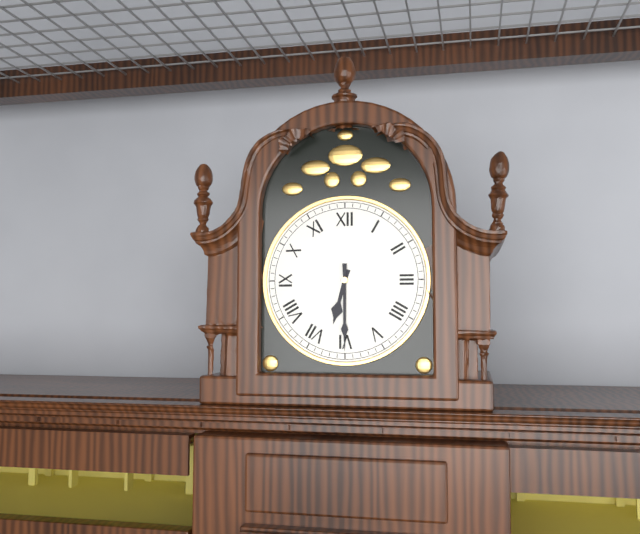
**6:30**
